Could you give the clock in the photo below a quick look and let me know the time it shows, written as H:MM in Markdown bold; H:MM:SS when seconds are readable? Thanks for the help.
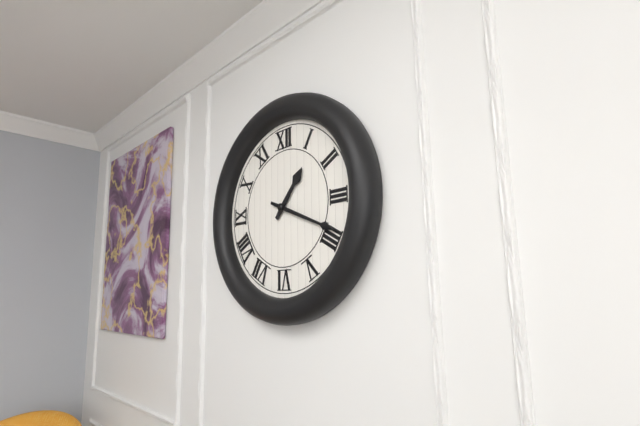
**1:19**
